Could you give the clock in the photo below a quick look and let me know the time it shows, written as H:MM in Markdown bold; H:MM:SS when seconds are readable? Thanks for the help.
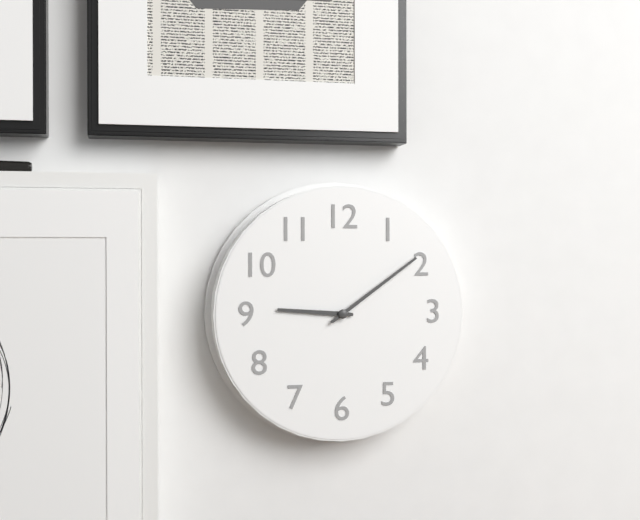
**9:09**
